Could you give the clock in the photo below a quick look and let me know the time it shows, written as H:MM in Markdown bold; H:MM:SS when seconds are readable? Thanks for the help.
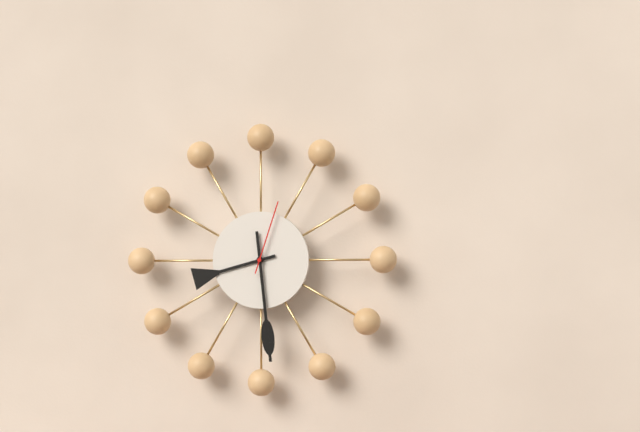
**8:29:03**
